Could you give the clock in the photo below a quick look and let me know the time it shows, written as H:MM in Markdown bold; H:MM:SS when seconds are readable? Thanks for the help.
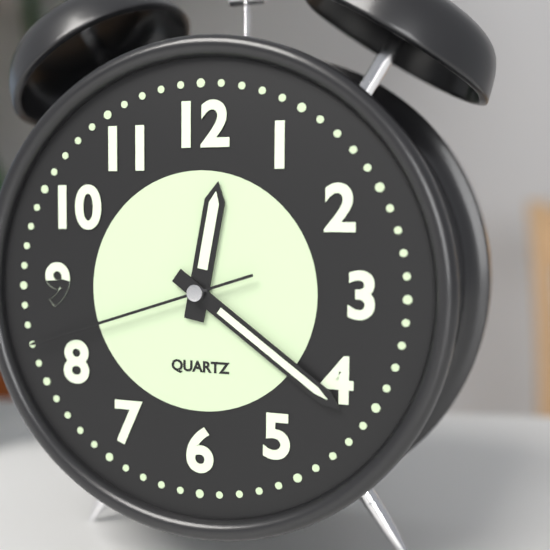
**12:21:42**
